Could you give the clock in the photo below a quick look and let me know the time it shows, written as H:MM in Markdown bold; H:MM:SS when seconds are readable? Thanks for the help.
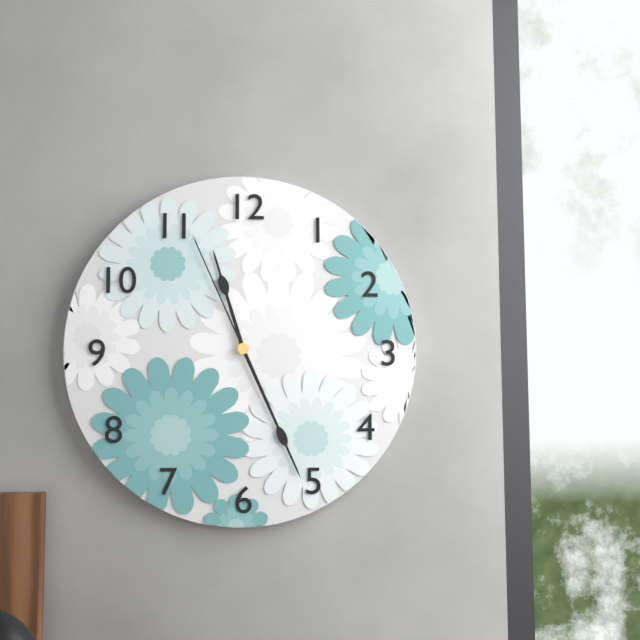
**11:26:56**
